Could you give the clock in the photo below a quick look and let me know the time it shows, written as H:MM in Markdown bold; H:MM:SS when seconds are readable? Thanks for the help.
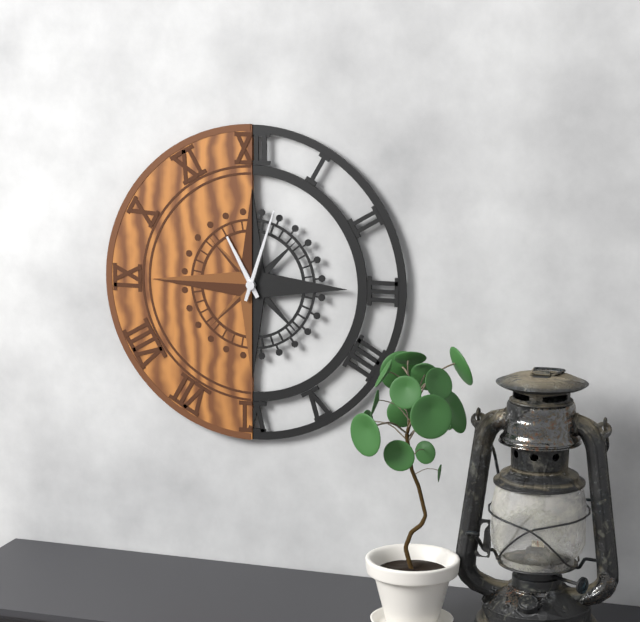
**11:03**
